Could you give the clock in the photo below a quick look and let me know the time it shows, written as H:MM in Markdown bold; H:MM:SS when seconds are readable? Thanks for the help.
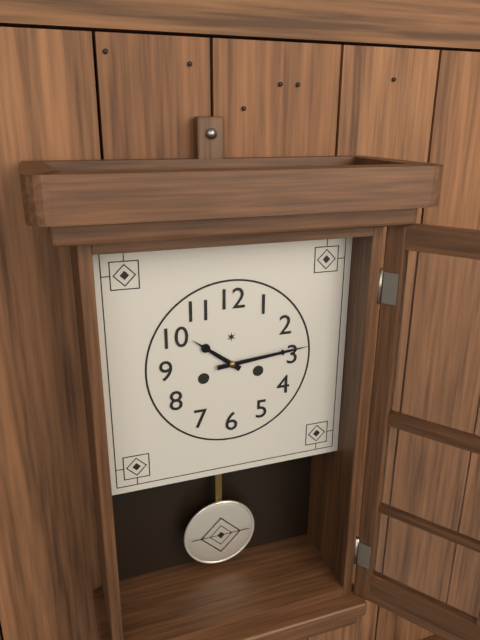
**10:14**
